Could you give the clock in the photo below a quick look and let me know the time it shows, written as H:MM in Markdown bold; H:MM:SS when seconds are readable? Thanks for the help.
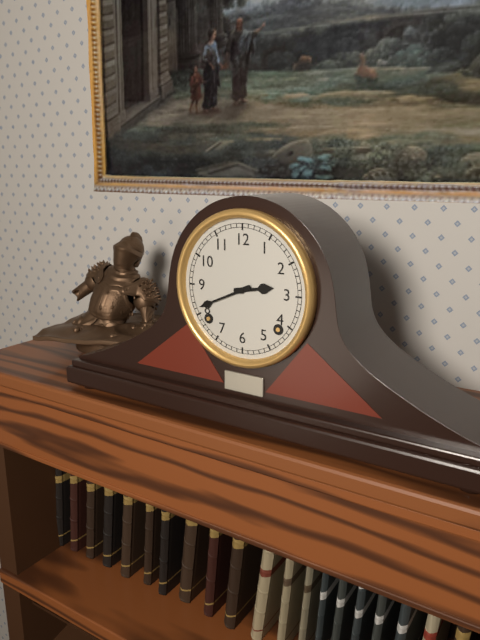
**2:41**
